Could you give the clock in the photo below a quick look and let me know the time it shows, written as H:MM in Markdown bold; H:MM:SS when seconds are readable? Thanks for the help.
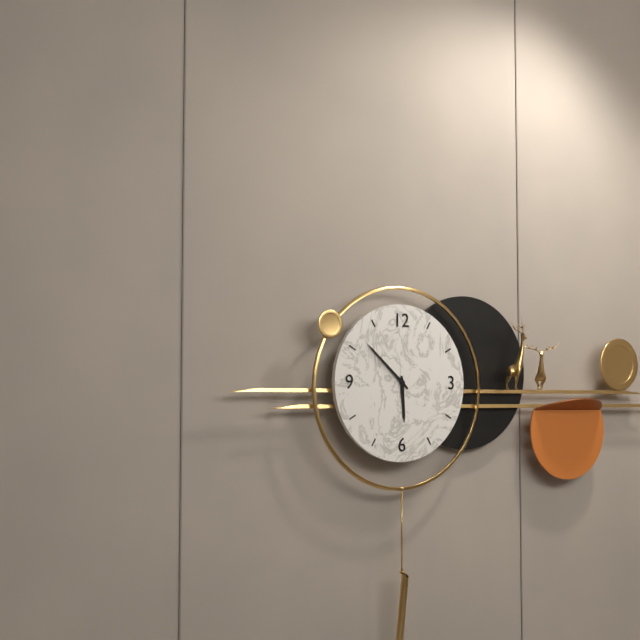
**5:52**
